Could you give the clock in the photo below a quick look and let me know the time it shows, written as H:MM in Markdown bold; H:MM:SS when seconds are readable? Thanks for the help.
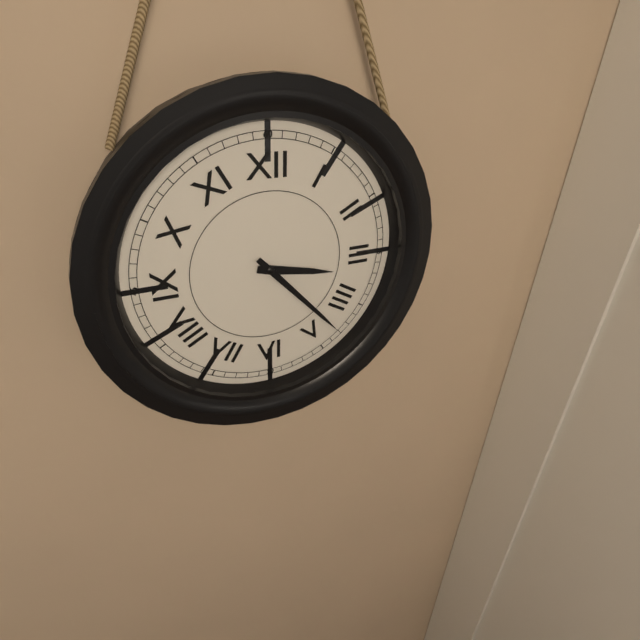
**3:23**
